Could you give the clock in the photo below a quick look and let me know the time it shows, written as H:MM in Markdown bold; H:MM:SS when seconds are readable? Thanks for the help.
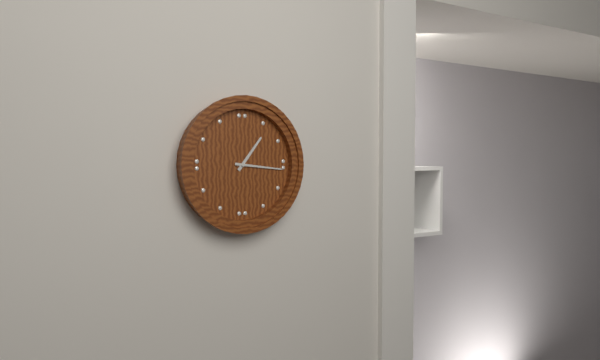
**1:16**
